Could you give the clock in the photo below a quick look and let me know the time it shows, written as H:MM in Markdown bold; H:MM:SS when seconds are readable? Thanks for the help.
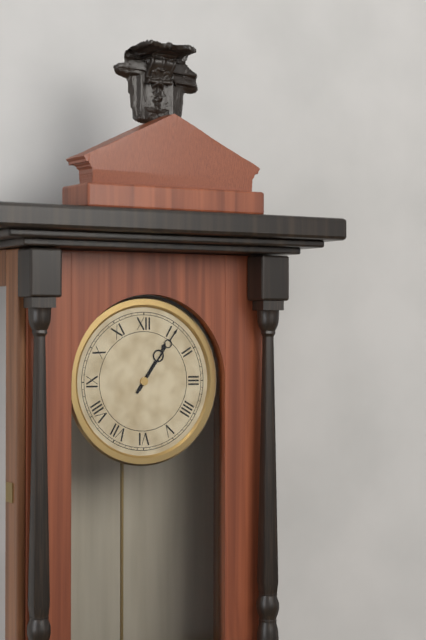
**1:06**
